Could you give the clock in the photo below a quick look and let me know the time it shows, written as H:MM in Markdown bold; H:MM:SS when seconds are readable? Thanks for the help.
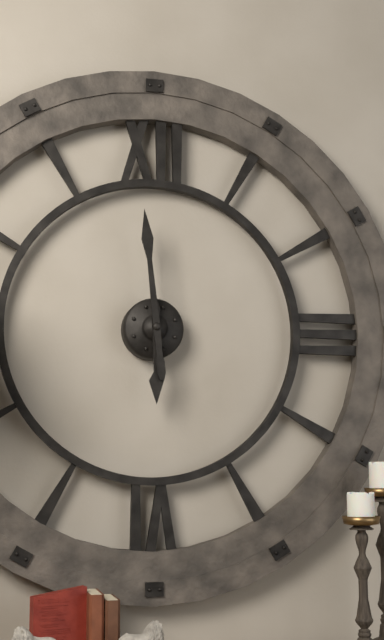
**5:59**
